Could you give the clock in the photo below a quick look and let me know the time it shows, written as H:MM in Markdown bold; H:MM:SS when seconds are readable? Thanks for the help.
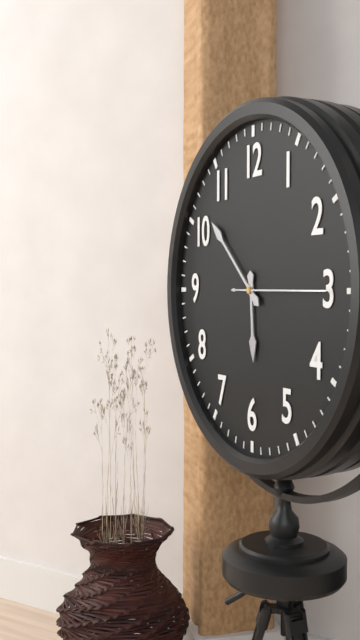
**5:52:15**
